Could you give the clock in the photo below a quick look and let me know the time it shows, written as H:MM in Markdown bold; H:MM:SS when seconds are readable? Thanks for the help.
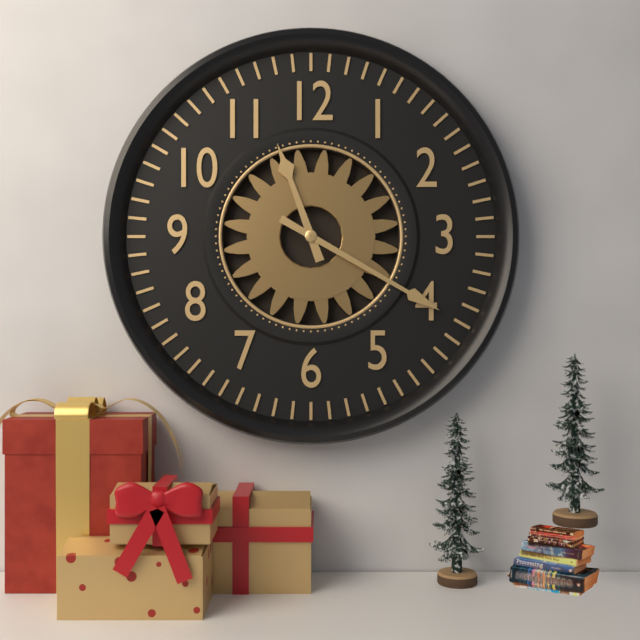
**11:20**
